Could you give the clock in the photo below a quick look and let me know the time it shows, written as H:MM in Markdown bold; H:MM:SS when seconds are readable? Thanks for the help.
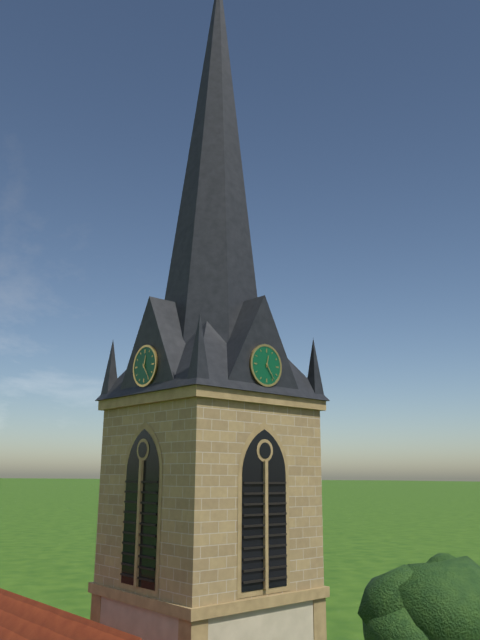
**12:24**
